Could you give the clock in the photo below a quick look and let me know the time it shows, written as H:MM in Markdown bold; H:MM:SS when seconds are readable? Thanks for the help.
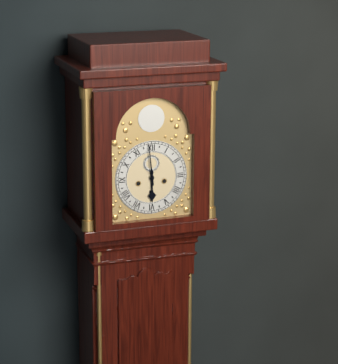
**5:59**
